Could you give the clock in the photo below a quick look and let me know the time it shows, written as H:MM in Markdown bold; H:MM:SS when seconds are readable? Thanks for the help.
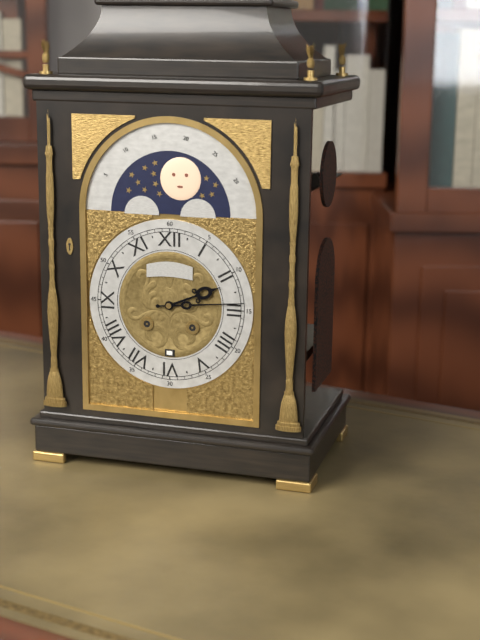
**2:14**
